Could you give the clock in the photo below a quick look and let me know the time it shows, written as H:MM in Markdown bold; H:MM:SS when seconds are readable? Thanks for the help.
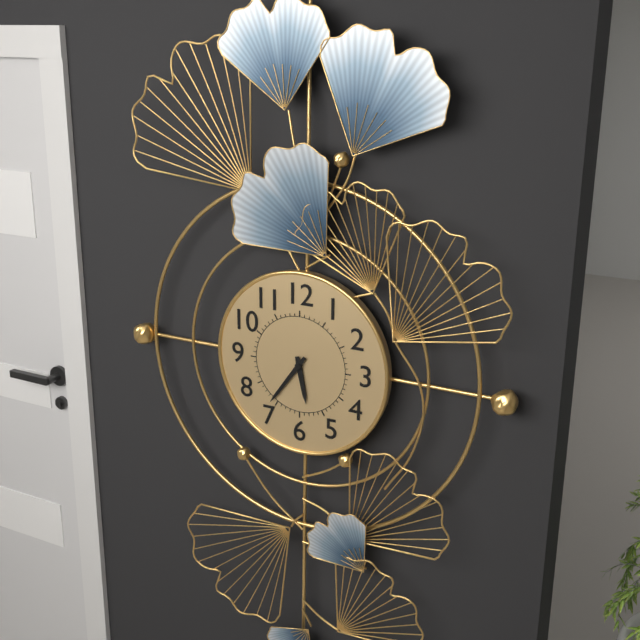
**5:36**
